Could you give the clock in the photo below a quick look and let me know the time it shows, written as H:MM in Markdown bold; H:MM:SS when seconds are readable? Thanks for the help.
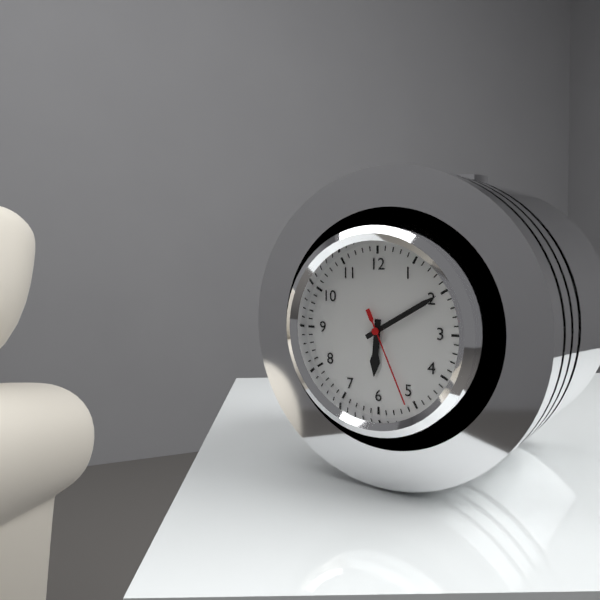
**6:10:26**
